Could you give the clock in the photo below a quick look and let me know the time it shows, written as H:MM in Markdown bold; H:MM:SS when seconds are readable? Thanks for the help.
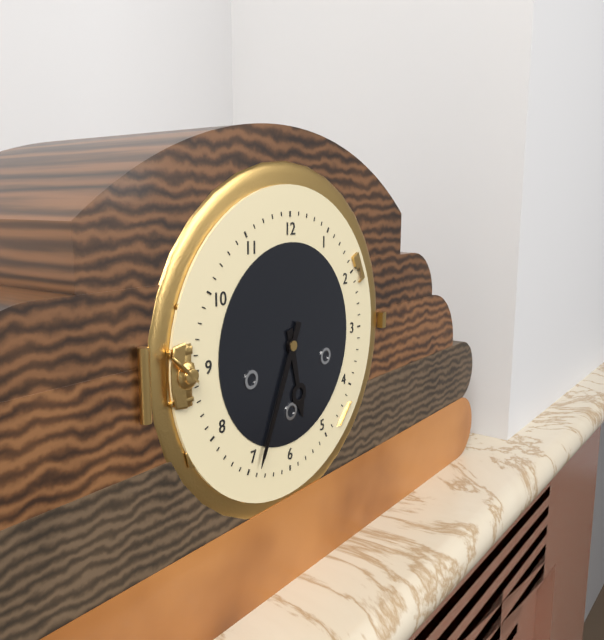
**5:34**
